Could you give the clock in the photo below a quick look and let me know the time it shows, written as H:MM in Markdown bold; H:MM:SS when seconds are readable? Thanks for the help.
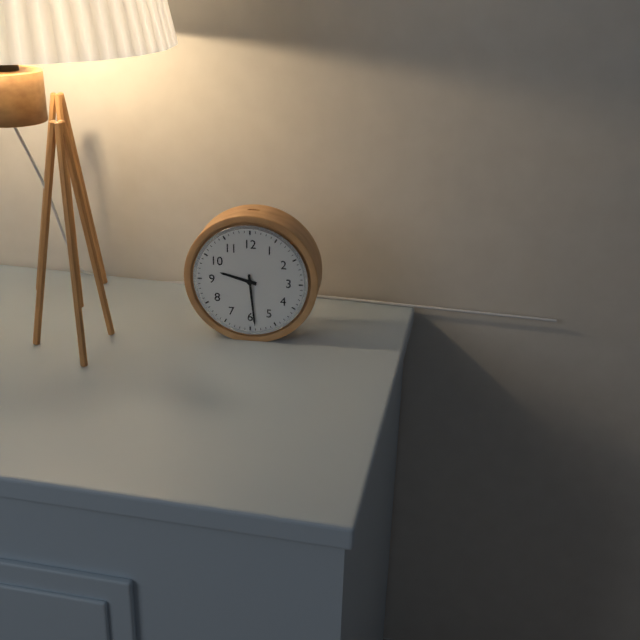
**9:29**
